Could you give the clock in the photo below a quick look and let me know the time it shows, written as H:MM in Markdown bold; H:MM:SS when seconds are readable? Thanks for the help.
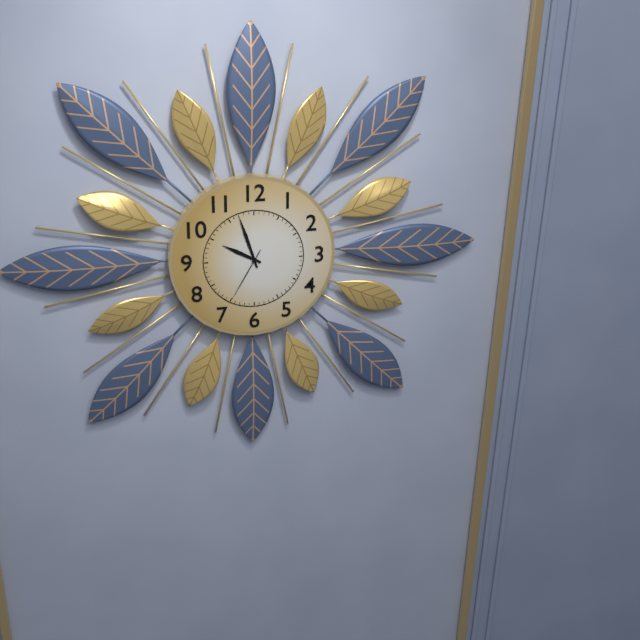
**9:57:35**
